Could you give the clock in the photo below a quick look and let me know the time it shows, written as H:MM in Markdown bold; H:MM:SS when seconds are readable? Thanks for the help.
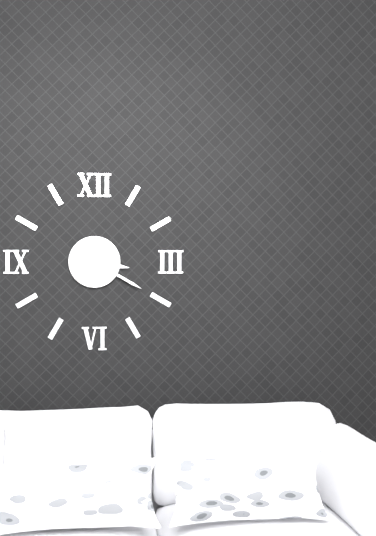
**3:20**
